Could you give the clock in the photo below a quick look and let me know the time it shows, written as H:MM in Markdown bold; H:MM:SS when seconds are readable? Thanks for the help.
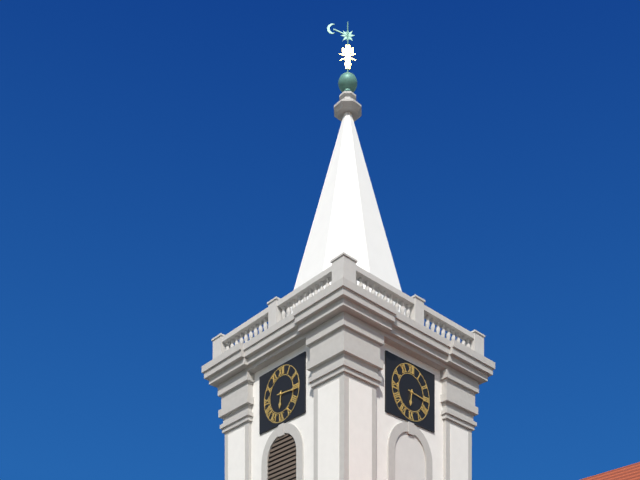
**6:16**
